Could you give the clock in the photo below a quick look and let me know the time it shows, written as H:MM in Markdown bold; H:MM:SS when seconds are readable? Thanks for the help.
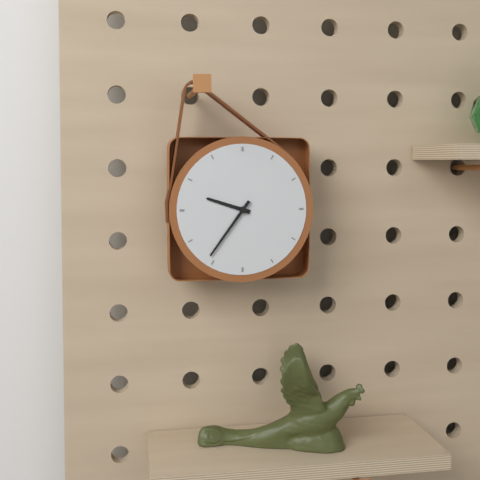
**9:36**
